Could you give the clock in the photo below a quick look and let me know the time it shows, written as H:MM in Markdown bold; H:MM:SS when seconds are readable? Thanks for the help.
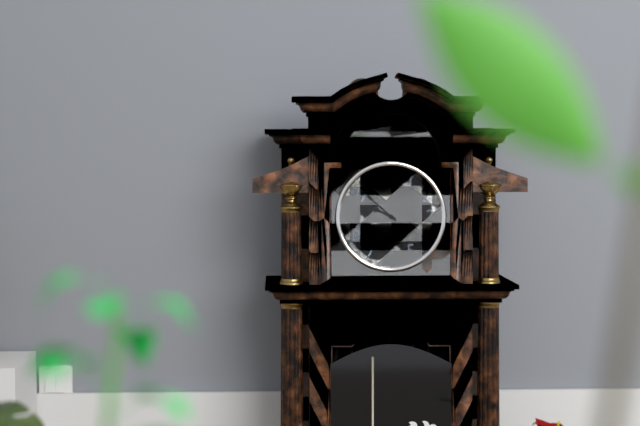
**9:52**
